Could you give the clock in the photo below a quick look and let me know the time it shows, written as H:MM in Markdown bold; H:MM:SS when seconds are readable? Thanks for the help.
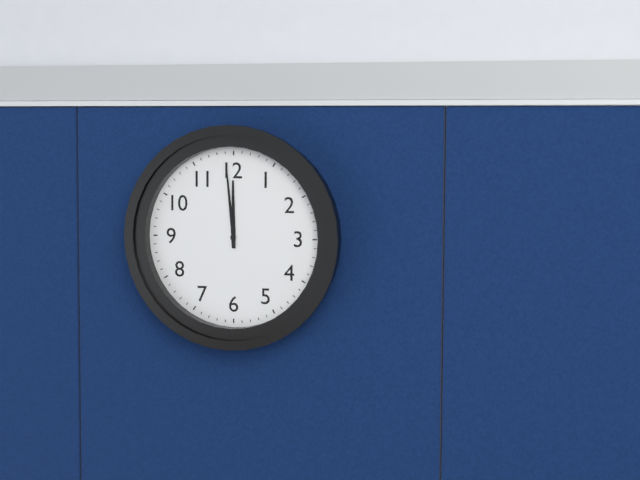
**11:59**
